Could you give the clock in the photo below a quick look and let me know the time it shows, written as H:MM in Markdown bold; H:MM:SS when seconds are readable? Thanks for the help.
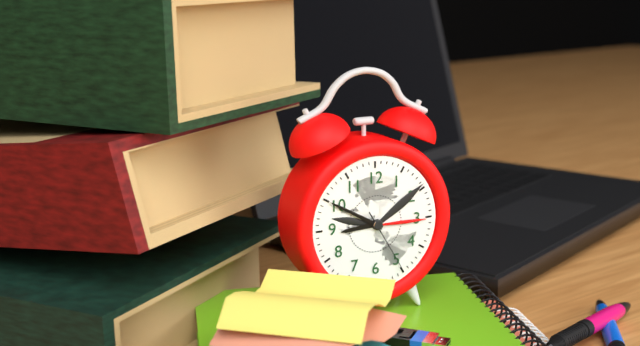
**8:50:25**
